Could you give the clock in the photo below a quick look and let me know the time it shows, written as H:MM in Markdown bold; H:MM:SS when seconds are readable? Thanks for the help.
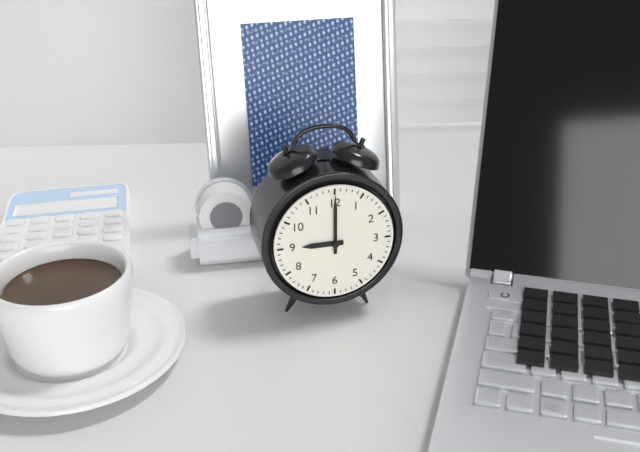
**9:00**
